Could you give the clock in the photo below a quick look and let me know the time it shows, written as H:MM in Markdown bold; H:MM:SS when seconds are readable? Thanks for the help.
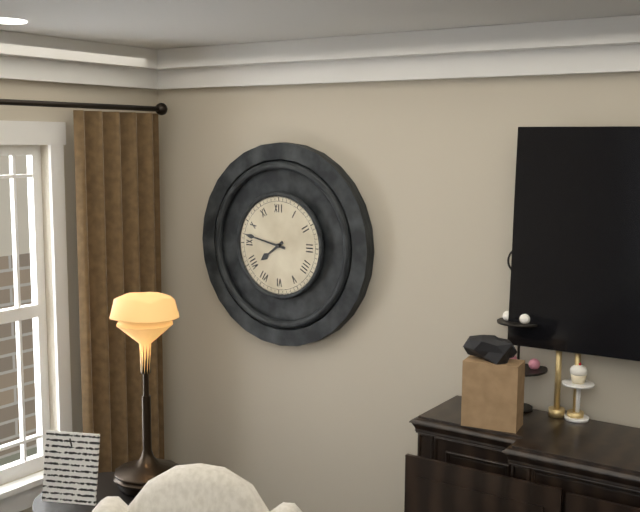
**7:47**
